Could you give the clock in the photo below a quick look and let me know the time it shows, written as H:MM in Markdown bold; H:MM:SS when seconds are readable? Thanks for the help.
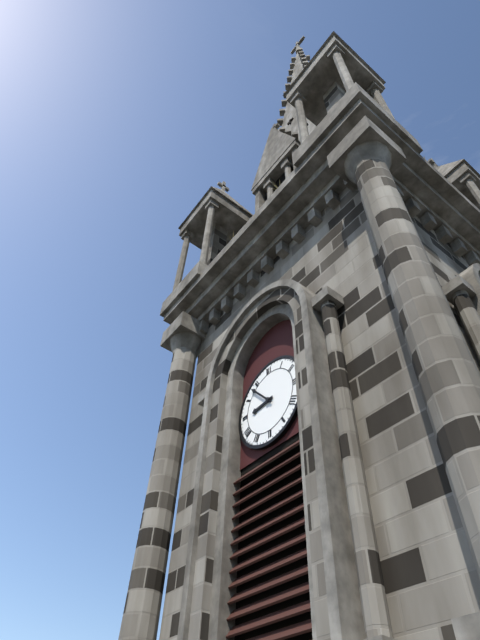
**8:53**
